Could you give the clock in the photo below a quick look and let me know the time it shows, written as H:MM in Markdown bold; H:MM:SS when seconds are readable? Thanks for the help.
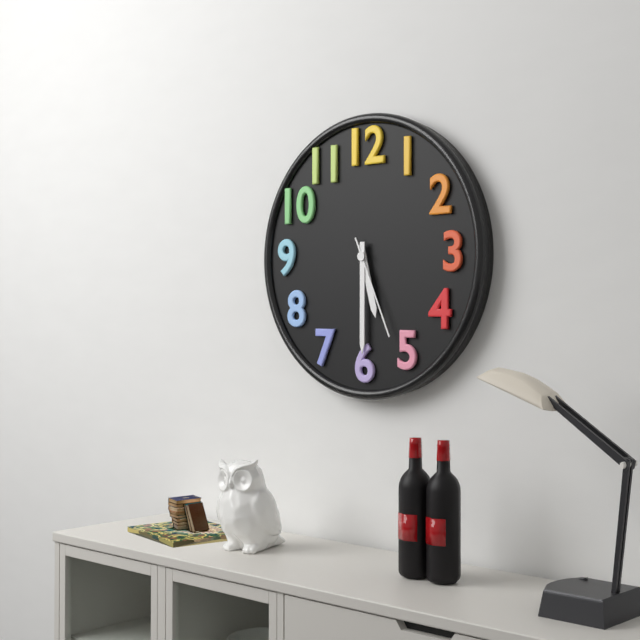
**5:30:26**
